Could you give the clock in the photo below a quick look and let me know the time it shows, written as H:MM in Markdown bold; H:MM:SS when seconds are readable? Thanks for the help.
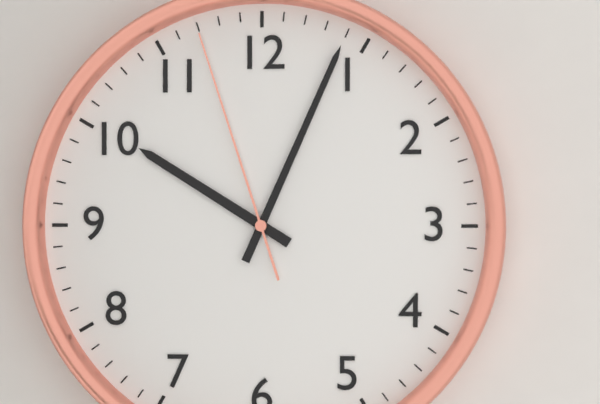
**10:04:57**
